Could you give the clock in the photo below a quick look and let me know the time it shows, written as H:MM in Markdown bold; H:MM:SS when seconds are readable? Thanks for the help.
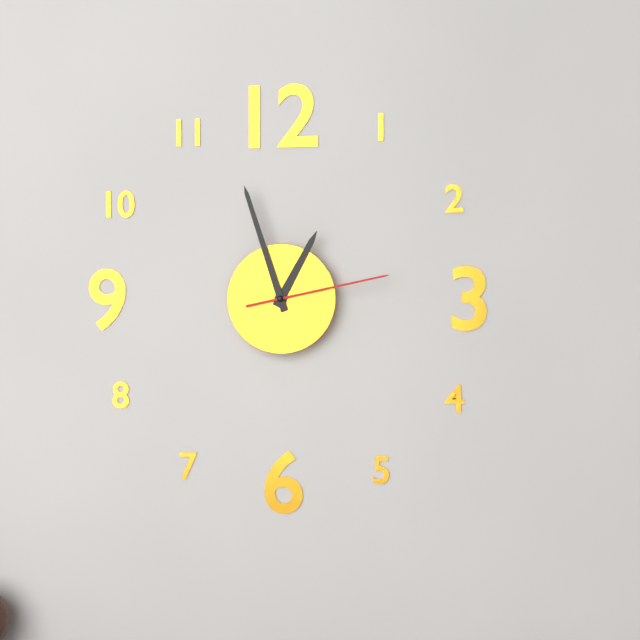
**12:57:13**
